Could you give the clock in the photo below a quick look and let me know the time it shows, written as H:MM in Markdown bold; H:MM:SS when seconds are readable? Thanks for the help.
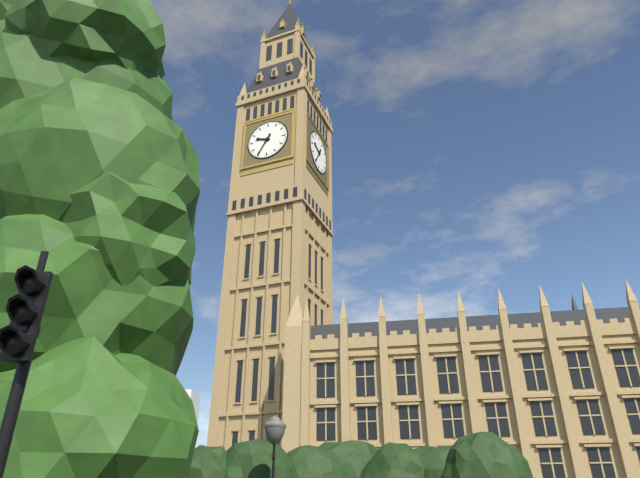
**9:35**
